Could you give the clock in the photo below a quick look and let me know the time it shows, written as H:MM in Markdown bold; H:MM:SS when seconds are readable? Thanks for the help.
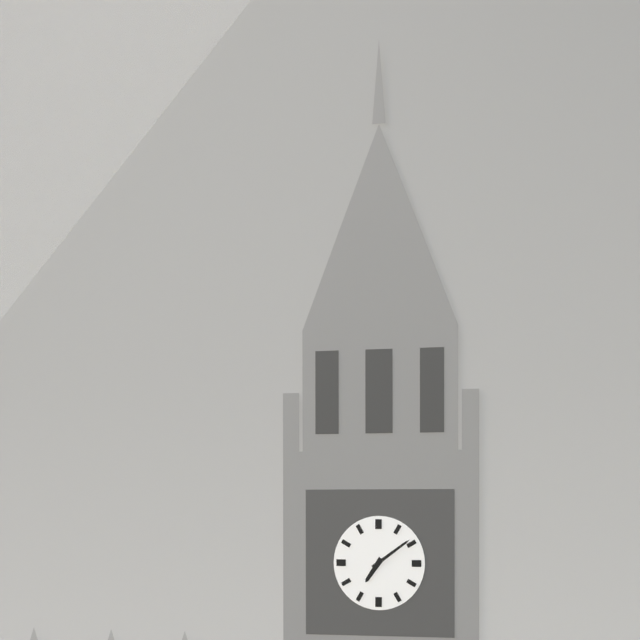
**7:09**
